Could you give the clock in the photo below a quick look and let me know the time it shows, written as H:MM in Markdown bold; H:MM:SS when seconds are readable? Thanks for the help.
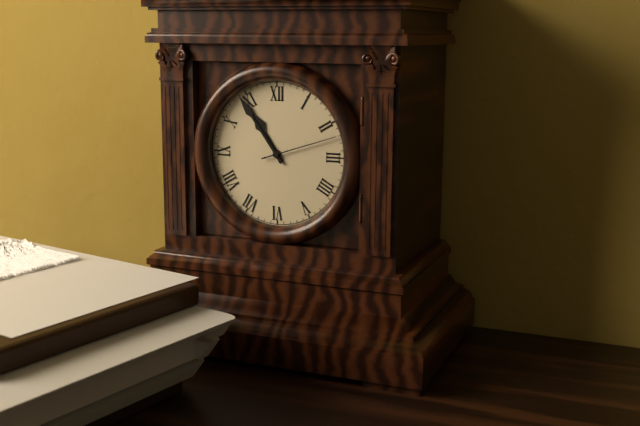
**10:54:12**
